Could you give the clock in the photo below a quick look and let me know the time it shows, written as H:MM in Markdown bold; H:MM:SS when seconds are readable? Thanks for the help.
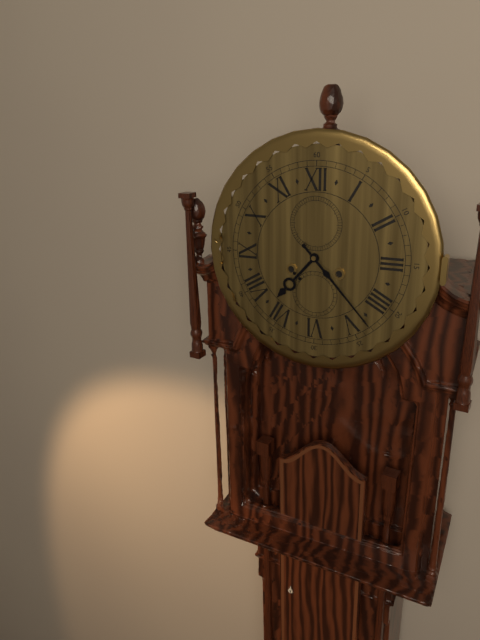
**7:23**
